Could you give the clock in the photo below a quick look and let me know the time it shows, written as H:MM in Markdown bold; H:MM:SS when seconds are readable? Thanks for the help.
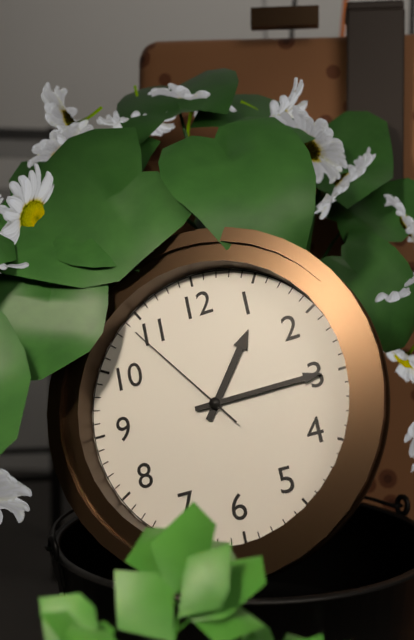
**1:15:54**
